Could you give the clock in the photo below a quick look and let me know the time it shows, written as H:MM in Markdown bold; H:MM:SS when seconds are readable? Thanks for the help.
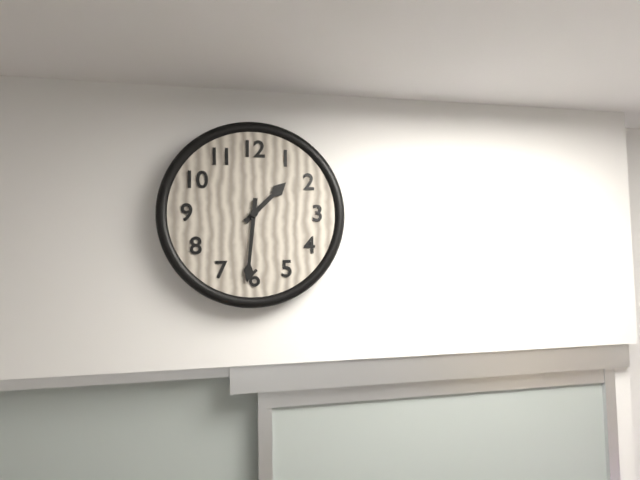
**1:31**
